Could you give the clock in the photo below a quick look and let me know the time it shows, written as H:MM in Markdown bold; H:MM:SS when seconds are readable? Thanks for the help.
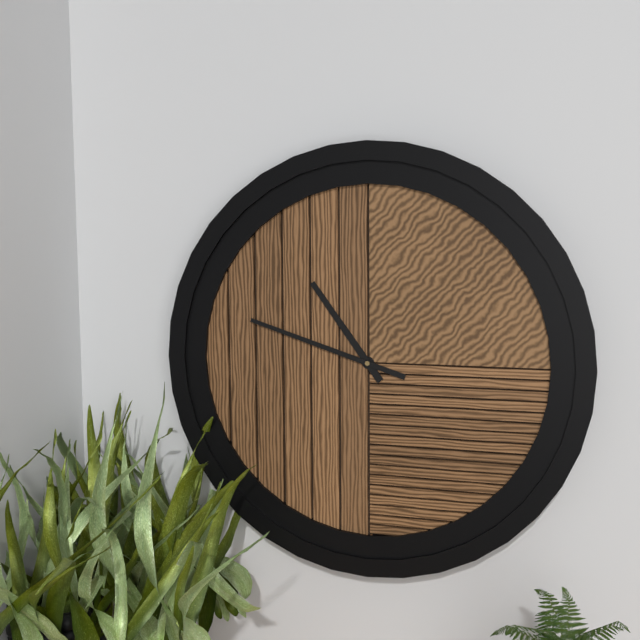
**10:48**
